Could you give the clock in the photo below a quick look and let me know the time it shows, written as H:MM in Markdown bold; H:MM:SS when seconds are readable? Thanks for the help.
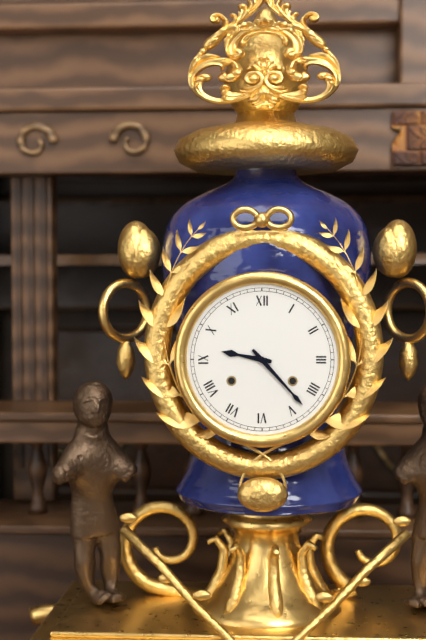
**9:23**
